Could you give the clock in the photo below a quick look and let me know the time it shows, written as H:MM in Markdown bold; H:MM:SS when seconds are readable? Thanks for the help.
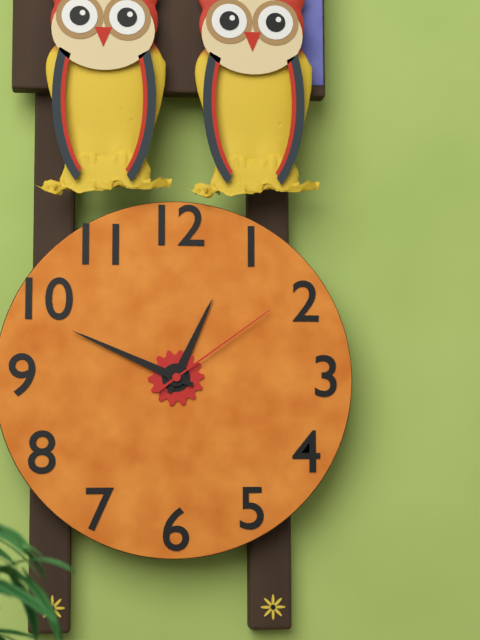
**12:49:09**
